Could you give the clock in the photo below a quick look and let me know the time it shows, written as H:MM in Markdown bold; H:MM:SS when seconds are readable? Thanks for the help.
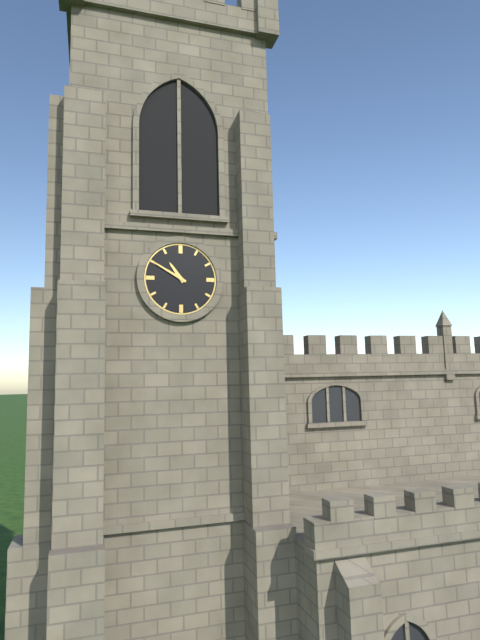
**10:50**
